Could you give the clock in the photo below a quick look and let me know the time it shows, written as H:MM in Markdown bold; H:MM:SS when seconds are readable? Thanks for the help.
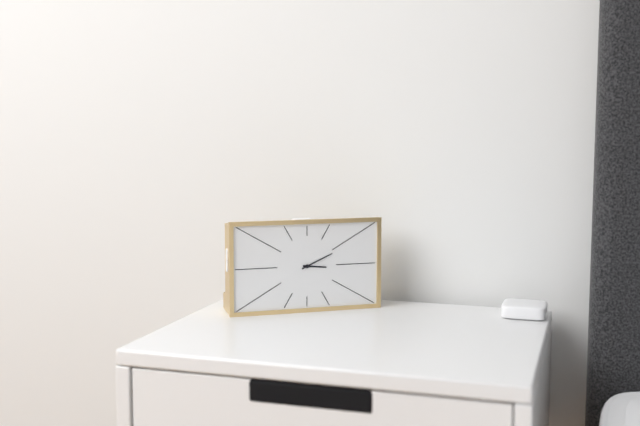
**3:11**
